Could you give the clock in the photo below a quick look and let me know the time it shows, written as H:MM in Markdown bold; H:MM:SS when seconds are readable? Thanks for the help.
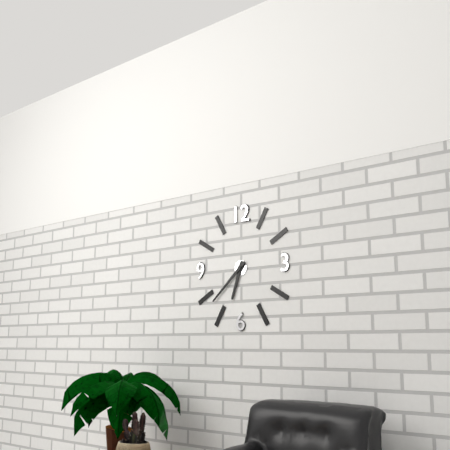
**6:38**
